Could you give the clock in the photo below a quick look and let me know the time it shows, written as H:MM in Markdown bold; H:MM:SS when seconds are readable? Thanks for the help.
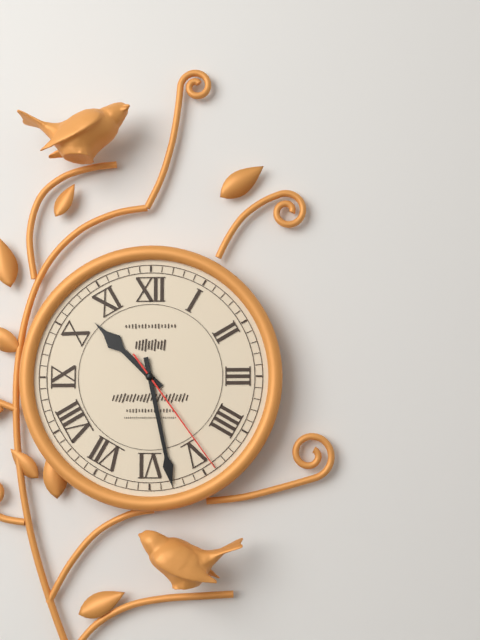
**10:28:24**
